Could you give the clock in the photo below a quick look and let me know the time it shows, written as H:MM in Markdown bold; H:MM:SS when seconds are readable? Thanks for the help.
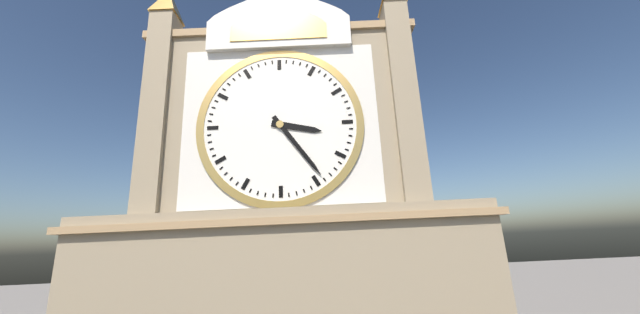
**3:24**
